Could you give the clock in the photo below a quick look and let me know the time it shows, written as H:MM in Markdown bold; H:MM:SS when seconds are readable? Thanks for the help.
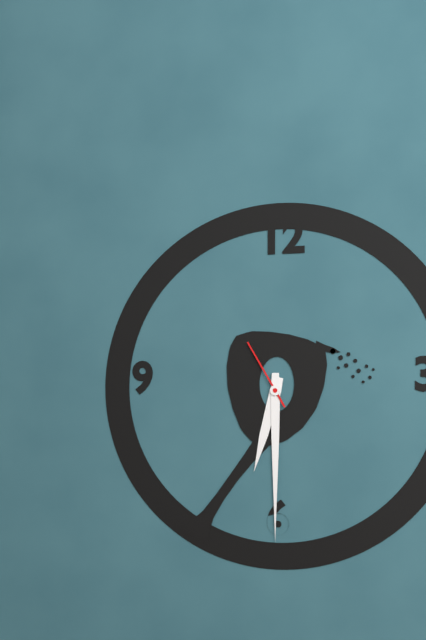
**6:30:55**
